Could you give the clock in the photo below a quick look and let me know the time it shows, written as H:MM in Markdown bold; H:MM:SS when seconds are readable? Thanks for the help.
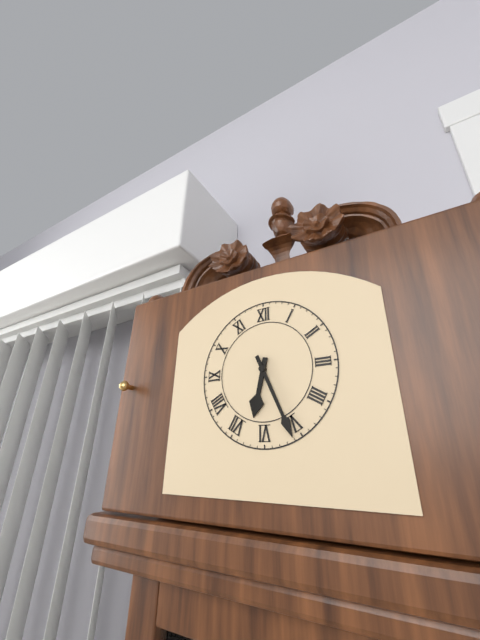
**6:26**
